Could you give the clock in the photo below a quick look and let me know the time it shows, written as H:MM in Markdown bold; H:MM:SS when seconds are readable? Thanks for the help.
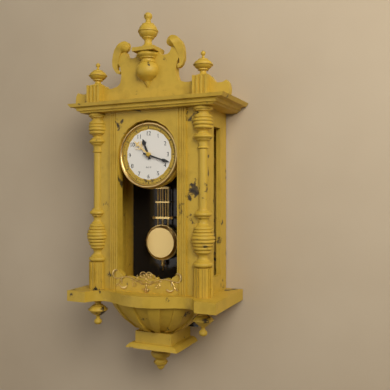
**11:18**
